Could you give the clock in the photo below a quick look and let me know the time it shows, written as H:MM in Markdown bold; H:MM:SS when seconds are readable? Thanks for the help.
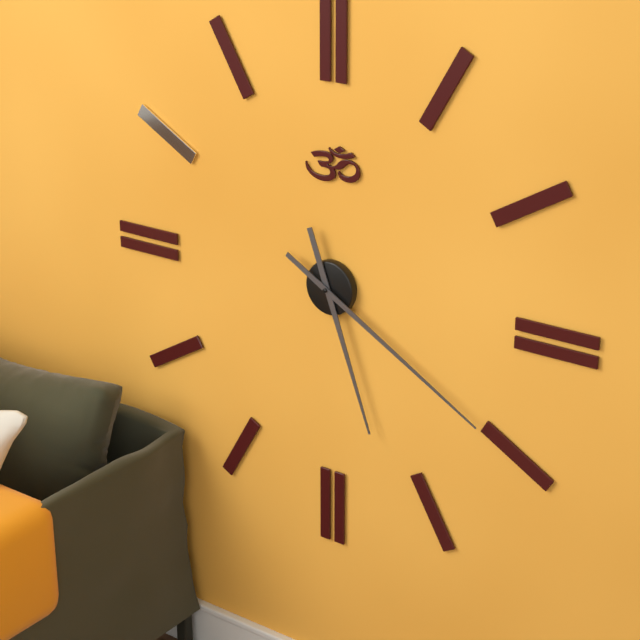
**5:20**
